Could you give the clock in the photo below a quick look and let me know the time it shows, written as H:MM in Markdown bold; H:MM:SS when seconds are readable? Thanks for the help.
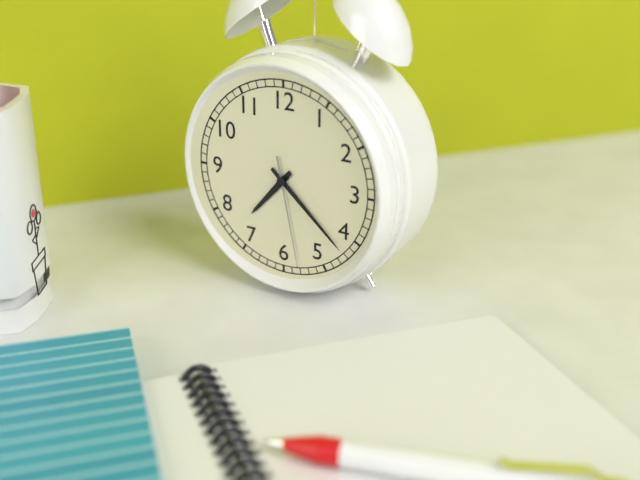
**7:22:28**
